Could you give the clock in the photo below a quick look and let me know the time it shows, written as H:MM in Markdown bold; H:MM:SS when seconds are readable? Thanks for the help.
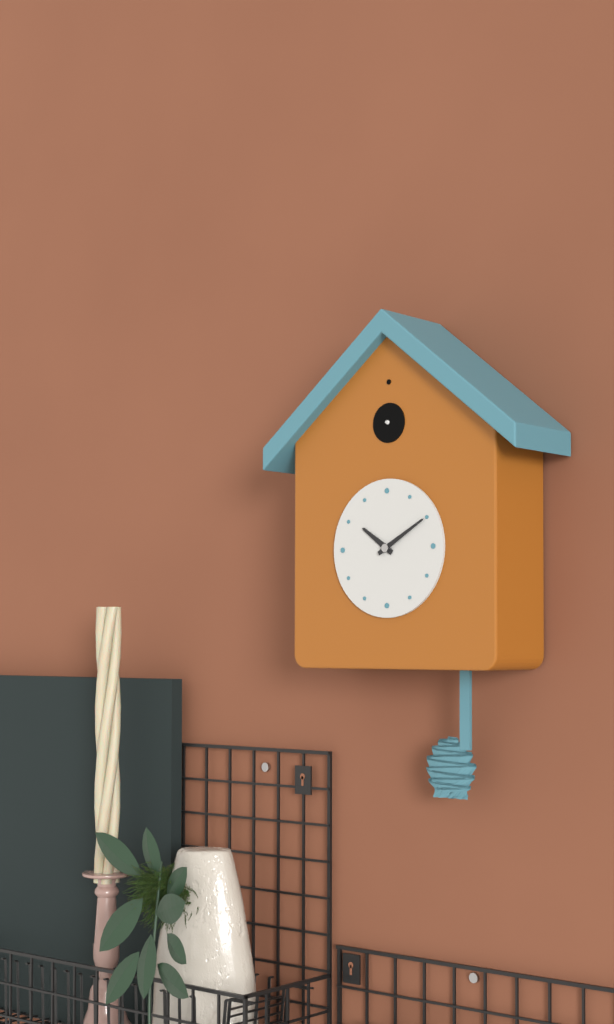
**10:10**
